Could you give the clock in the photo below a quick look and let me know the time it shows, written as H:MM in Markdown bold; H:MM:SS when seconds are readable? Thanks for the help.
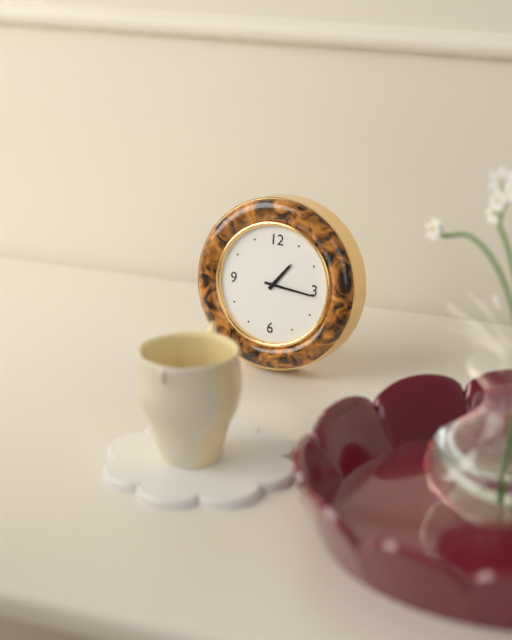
**1:16**
